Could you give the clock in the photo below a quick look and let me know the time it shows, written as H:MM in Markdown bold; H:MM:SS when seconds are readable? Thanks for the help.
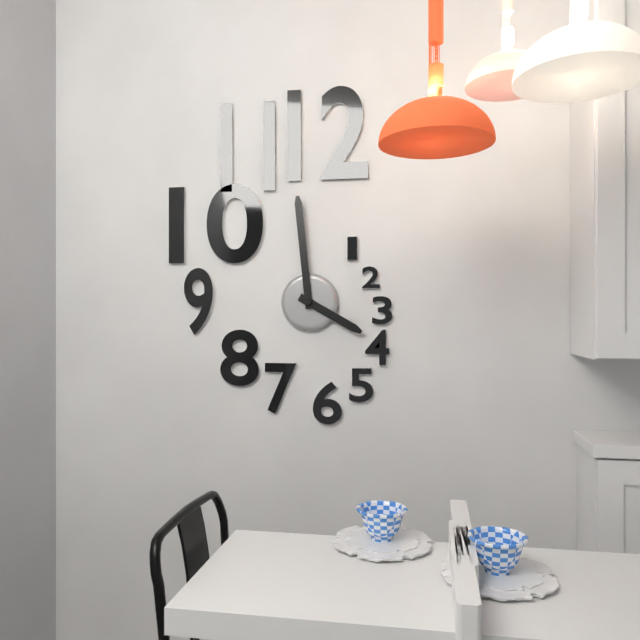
**3:59**
